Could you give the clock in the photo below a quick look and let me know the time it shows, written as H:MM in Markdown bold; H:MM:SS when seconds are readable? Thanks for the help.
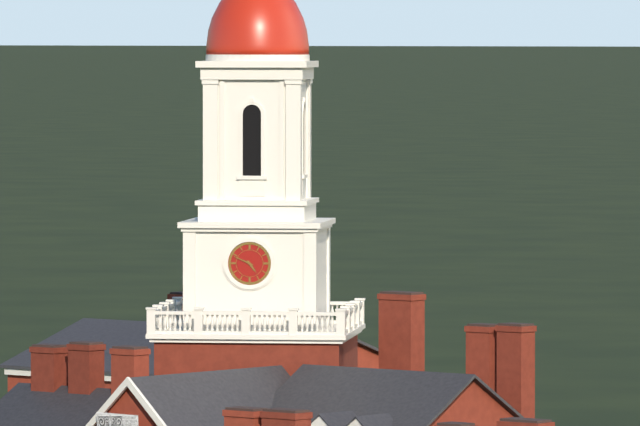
**4:49**
